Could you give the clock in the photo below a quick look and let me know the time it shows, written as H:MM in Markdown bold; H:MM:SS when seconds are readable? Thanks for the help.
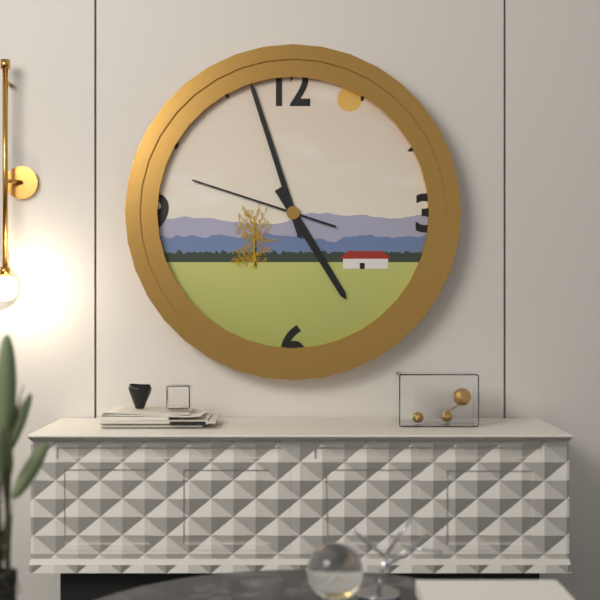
**4:57:48**
